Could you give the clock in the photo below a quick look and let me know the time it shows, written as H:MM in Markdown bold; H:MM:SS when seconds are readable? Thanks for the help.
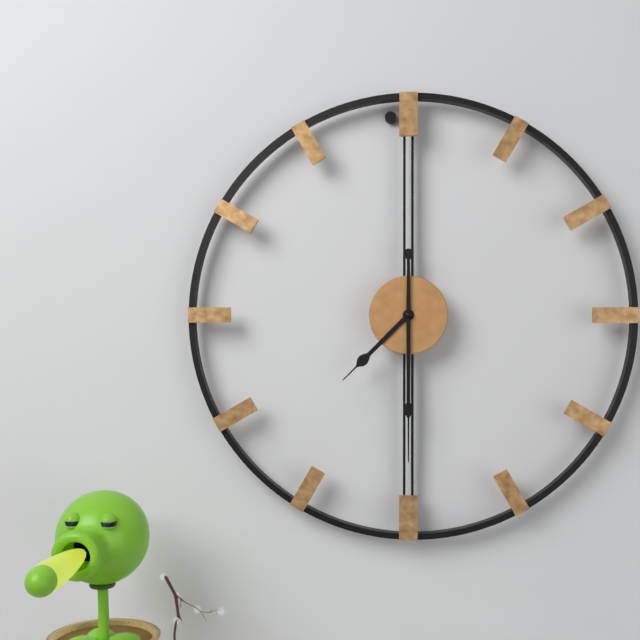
**7:30**
